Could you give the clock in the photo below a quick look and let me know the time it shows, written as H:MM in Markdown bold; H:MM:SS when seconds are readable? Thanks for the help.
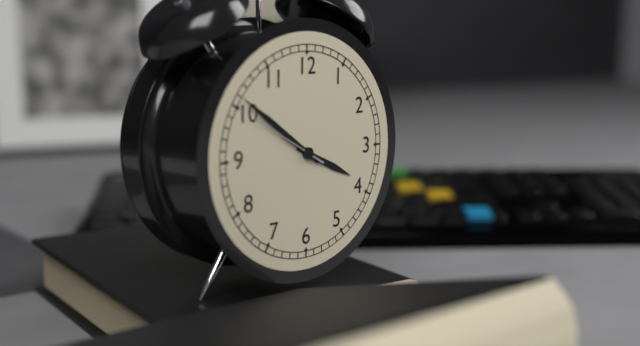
**3:51**
